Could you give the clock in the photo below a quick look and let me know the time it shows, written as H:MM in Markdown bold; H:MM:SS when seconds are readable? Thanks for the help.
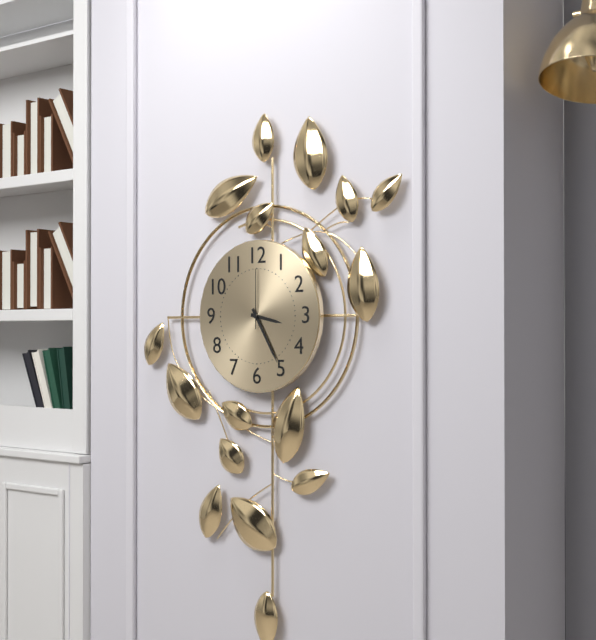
**3:25:00**
